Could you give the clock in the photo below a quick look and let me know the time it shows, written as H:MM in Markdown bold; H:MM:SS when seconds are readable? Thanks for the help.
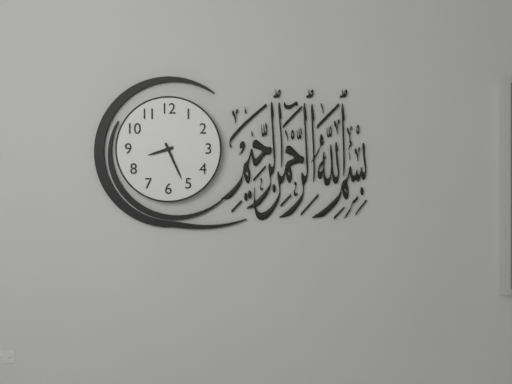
**8:26**
